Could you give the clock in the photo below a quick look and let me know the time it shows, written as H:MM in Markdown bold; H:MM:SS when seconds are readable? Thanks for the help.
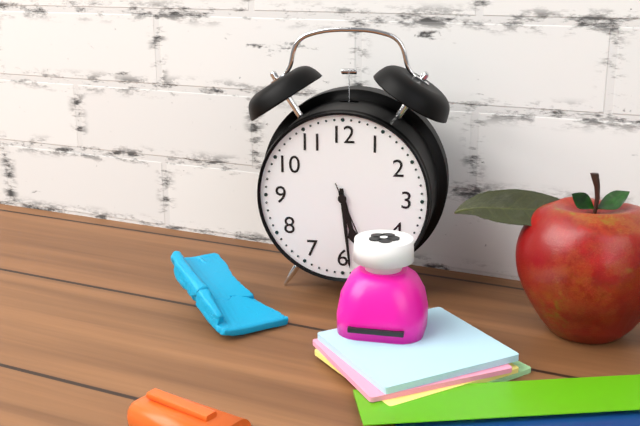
**5:29**
